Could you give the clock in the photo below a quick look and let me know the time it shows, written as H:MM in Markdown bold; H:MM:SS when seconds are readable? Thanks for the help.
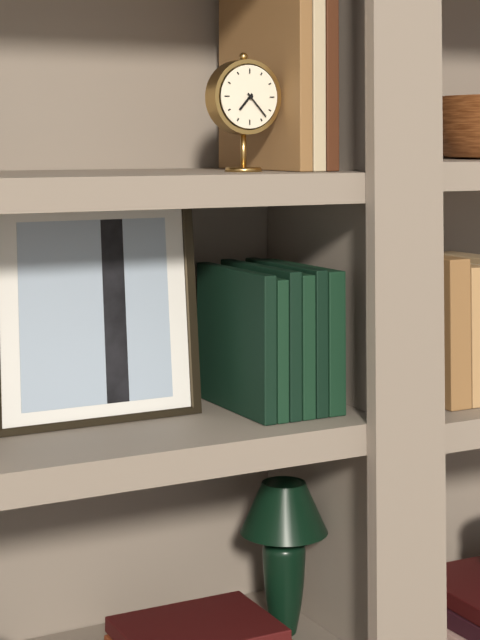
**7:23**
